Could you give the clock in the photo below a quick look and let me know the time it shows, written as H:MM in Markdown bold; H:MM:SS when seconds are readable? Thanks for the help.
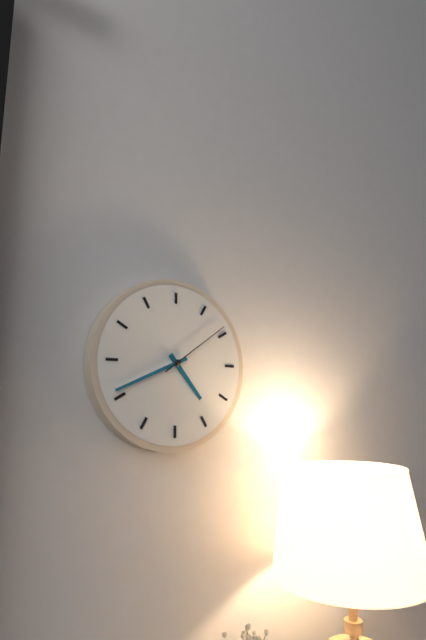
**4:41:09**
